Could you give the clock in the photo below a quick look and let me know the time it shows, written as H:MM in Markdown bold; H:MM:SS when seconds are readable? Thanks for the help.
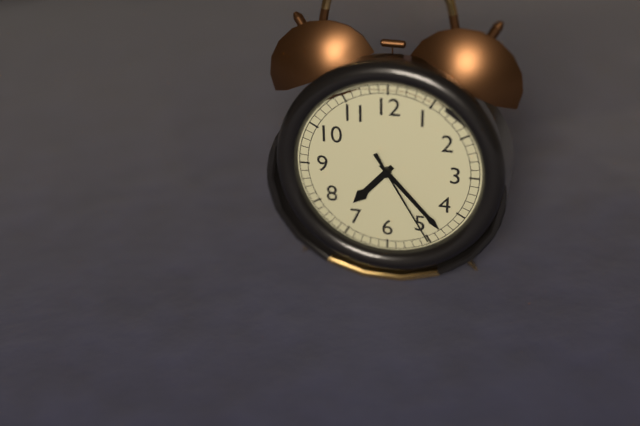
**7:23:25**
